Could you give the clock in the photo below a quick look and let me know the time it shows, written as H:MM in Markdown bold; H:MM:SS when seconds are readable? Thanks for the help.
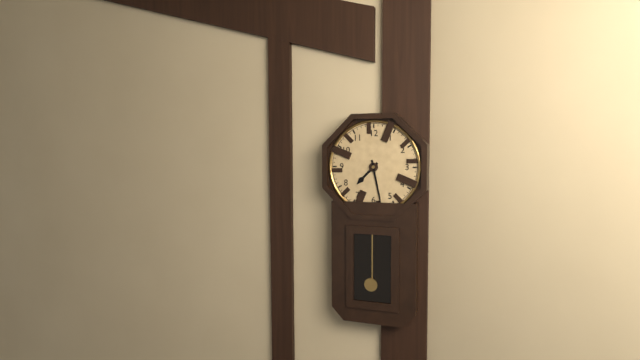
**7:28**
